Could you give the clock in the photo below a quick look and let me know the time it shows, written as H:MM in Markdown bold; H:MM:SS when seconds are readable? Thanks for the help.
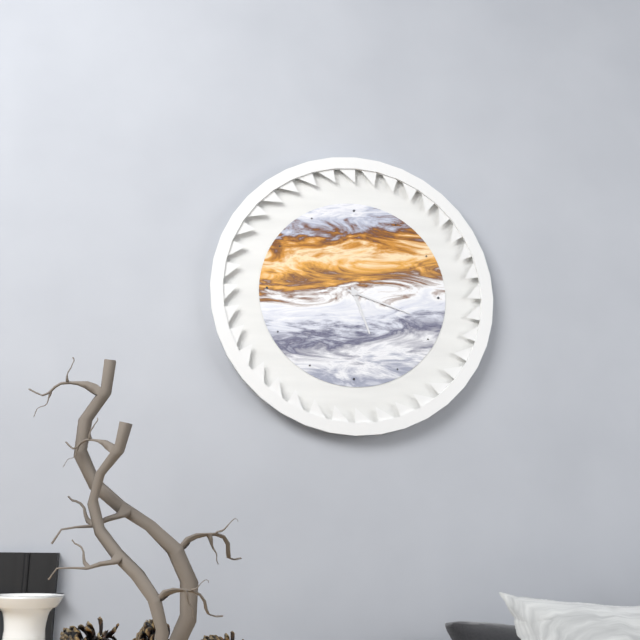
**5:18**
